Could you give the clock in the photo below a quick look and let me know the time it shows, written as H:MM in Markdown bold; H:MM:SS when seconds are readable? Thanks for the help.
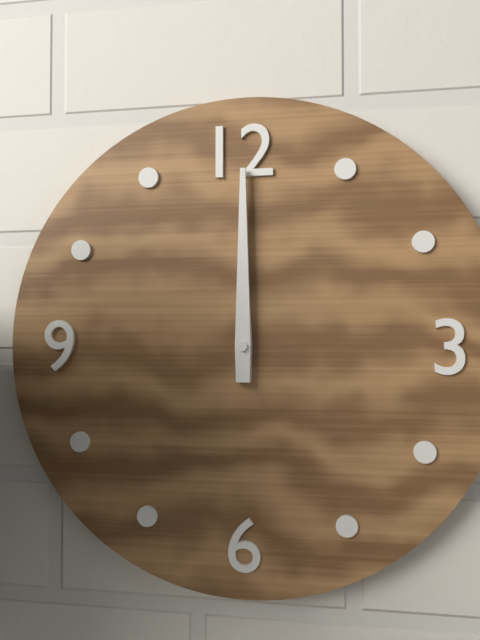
**12:00**
